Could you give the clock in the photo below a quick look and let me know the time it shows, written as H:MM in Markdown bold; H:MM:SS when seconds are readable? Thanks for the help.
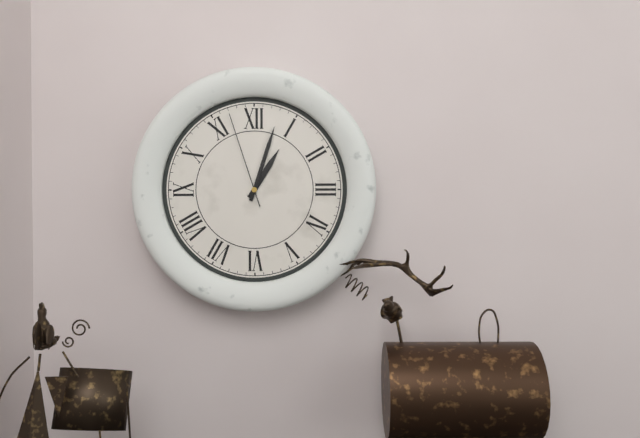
**1:03:57**
